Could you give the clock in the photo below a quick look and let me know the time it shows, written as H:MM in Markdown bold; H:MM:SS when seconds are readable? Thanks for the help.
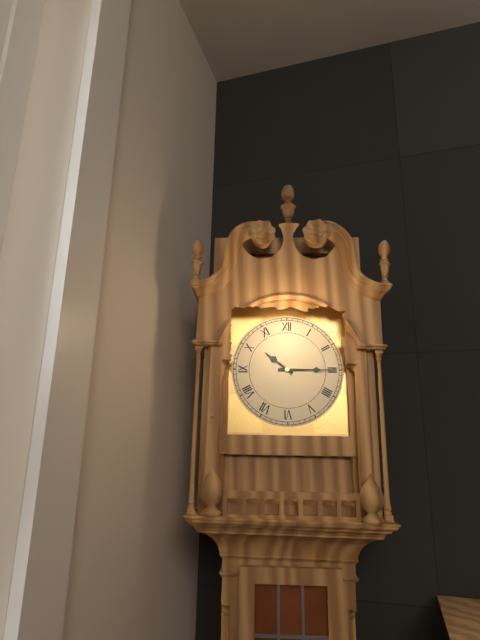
**10:15**
